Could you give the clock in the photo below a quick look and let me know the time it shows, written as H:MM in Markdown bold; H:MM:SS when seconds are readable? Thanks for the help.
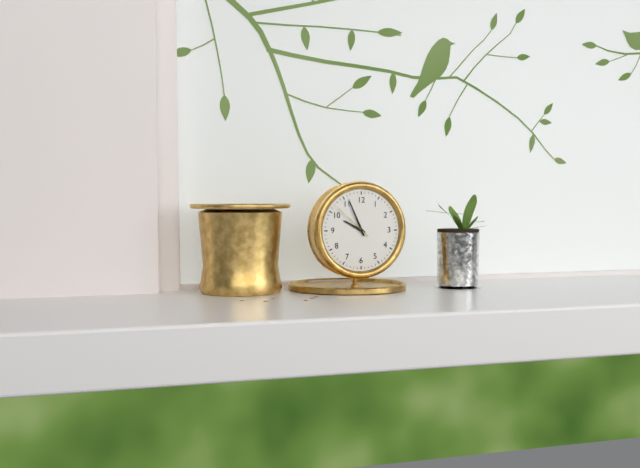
**9:56**
